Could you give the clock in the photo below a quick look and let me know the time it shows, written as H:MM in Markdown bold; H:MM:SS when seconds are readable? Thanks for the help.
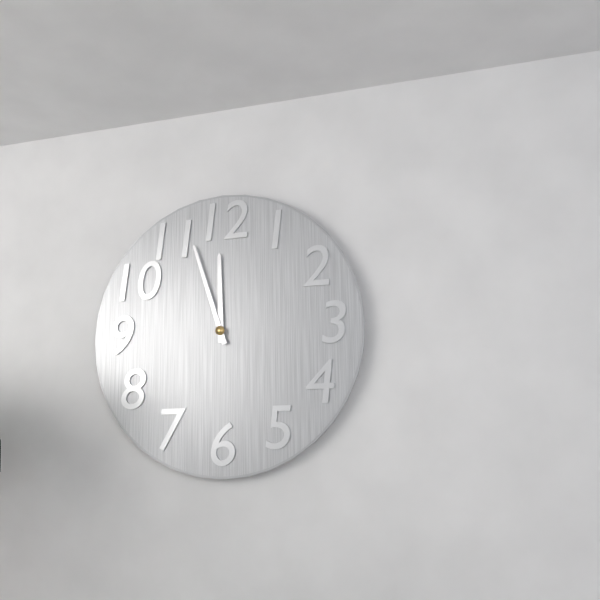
**11:57**
